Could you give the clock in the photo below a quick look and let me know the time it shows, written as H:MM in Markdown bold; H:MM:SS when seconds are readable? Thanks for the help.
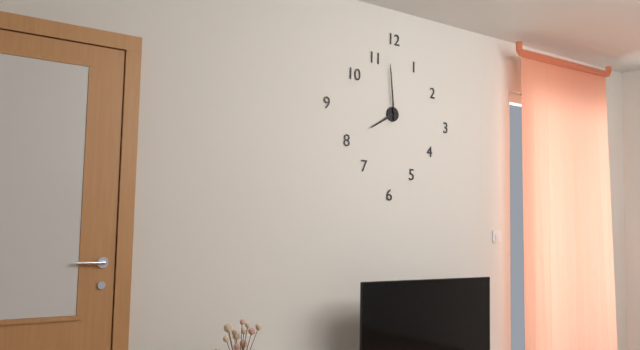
**7:59**
